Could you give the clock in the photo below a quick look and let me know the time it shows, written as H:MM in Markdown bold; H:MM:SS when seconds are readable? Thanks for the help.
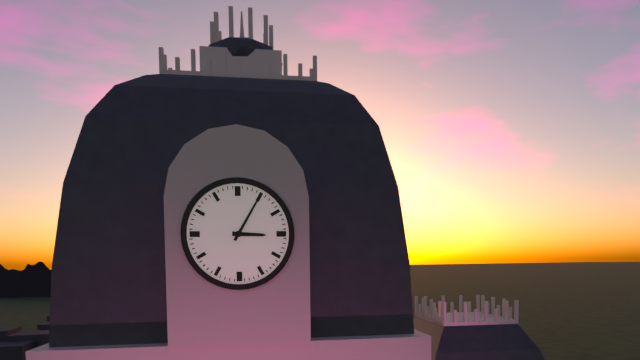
**3:05**
